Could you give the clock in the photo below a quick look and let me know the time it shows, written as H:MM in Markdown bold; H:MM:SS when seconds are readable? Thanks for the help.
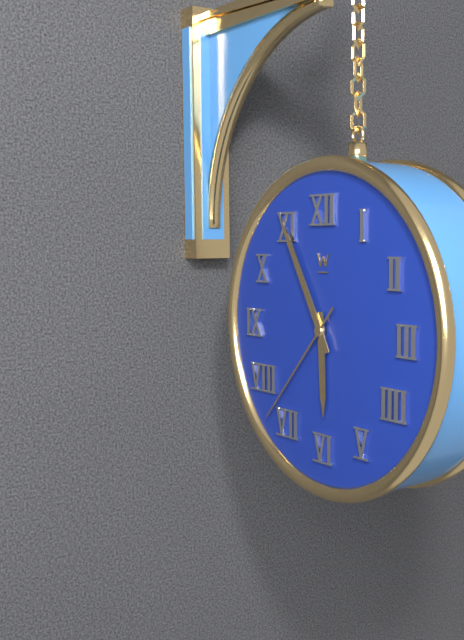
**5:55:37**
